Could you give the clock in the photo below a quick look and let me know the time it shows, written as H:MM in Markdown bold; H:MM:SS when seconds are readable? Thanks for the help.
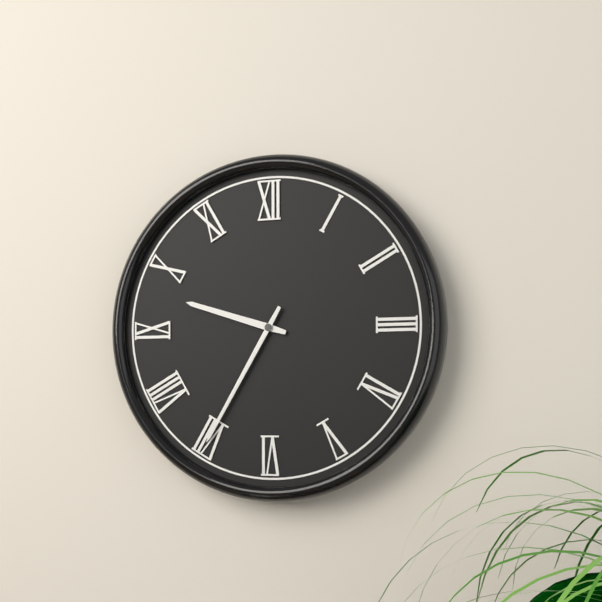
**9:35**
